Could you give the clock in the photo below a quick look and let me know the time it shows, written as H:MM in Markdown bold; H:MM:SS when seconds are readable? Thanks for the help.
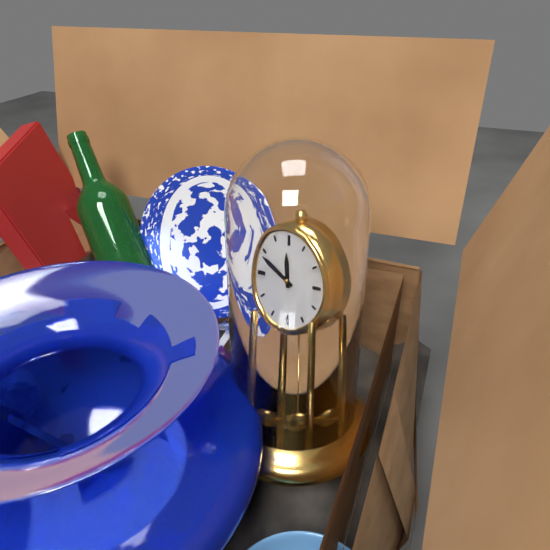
**11:49**
